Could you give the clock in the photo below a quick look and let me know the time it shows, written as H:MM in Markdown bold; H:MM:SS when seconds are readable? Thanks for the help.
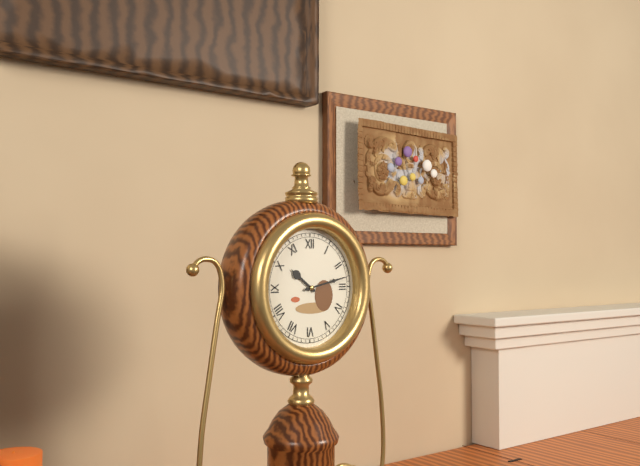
**10:13**
